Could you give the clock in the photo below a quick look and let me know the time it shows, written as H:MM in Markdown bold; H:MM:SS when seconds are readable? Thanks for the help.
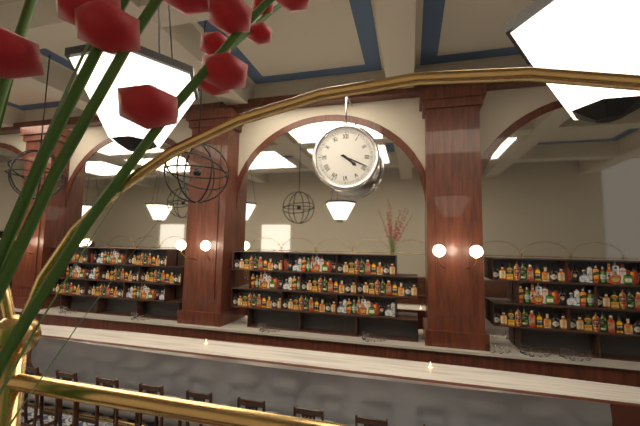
**4:19**
